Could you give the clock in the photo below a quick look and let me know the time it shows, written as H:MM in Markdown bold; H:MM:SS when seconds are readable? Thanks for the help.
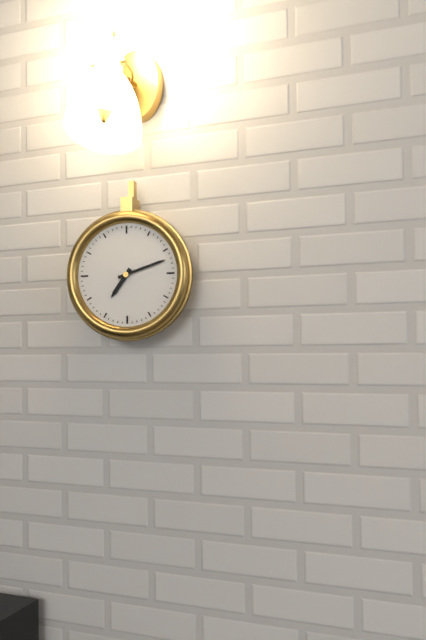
**7:12**
